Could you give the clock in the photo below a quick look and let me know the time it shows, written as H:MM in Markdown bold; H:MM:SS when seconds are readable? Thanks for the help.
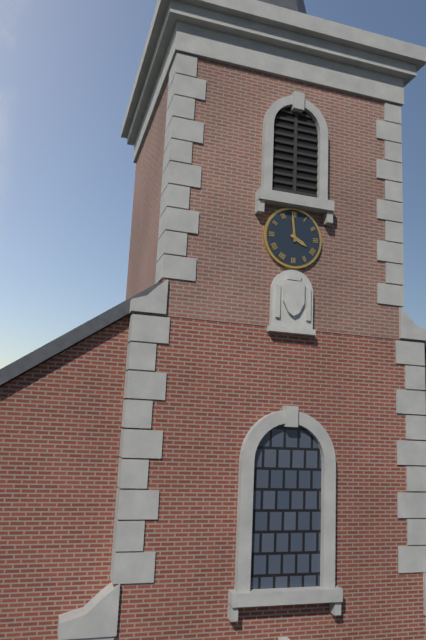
**3:59**
